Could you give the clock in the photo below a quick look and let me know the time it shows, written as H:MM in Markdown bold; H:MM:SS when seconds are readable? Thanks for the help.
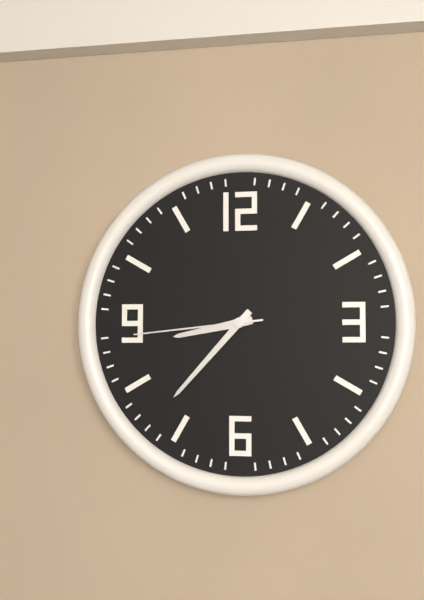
**8:37:44**
